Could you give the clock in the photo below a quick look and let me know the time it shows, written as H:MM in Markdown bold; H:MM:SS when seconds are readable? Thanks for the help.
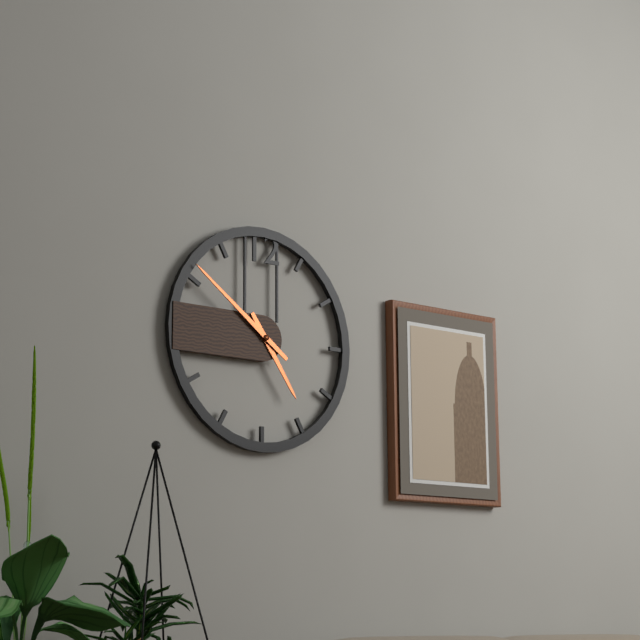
**4:51**
